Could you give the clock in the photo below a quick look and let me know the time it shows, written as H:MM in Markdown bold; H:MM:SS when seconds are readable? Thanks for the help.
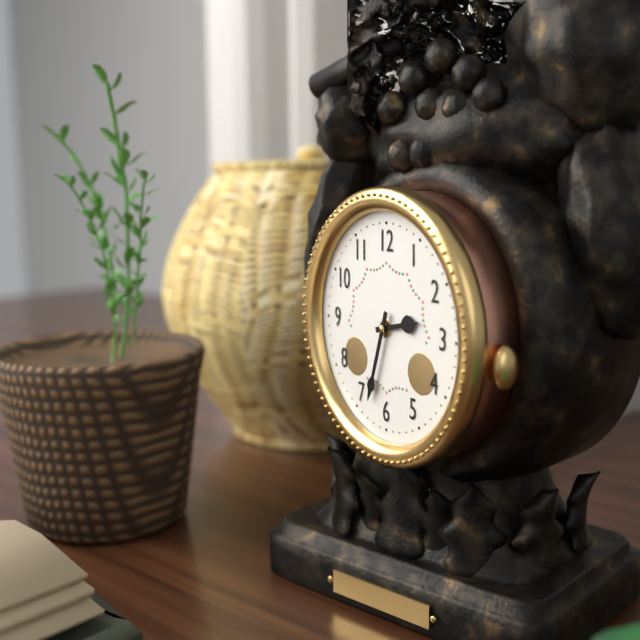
**2:33**
